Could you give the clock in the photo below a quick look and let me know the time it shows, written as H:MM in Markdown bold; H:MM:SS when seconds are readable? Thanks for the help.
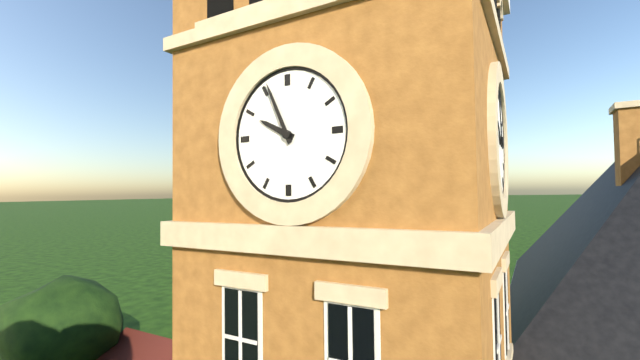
**9:56**
